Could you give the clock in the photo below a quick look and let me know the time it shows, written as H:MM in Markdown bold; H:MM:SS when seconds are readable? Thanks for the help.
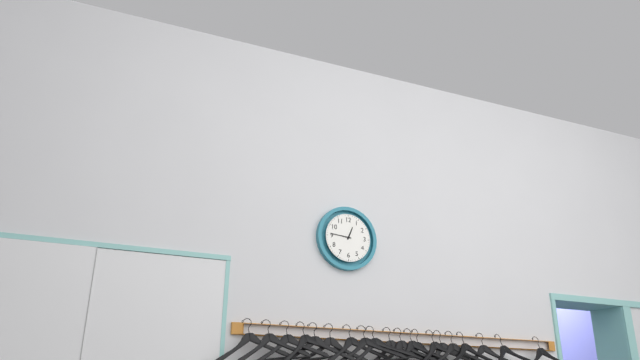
**12:46**
